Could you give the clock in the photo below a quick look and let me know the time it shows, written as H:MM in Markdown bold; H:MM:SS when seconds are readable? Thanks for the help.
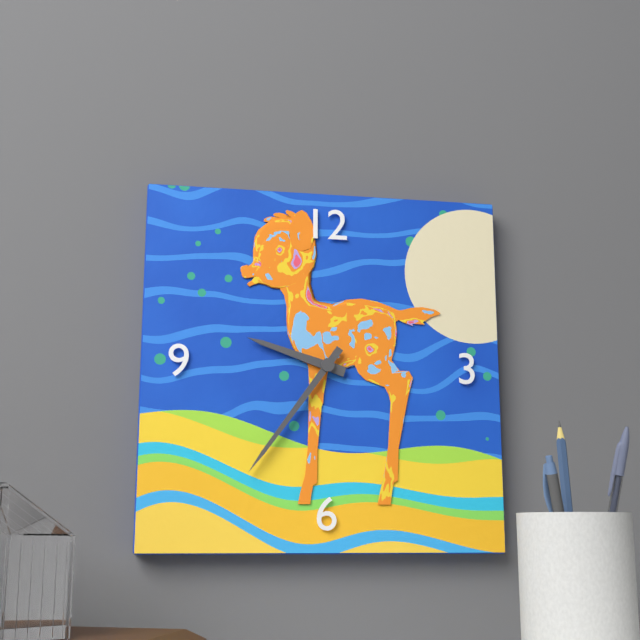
**9:36**
